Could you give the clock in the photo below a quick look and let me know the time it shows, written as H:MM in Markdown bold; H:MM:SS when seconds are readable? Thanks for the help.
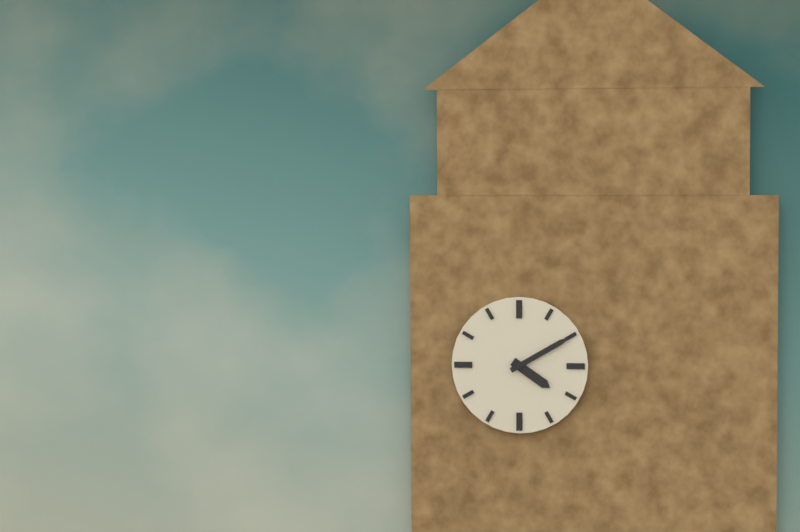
**4:10**
